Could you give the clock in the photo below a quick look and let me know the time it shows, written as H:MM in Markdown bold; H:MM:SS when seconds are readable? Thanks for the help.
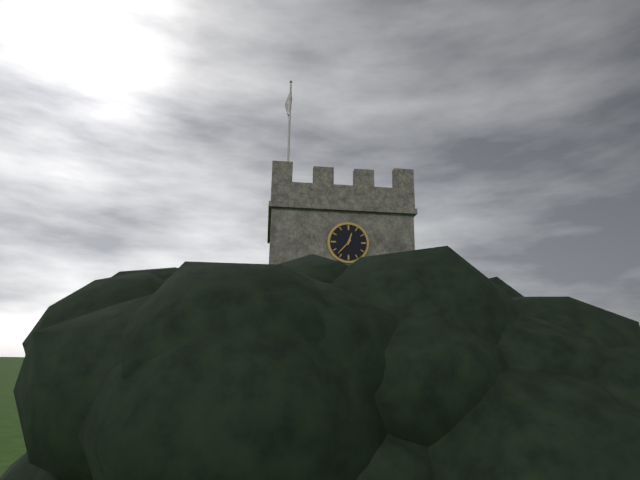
**12:37**
